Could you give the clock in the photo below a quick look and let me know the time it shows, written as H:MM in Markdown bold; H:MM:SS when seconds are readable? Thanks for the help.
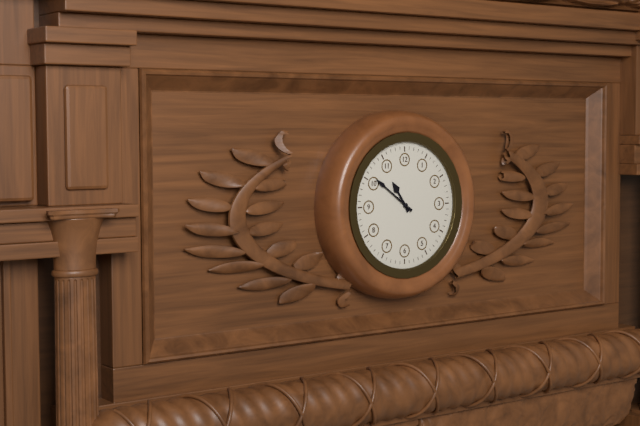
**10:51**
